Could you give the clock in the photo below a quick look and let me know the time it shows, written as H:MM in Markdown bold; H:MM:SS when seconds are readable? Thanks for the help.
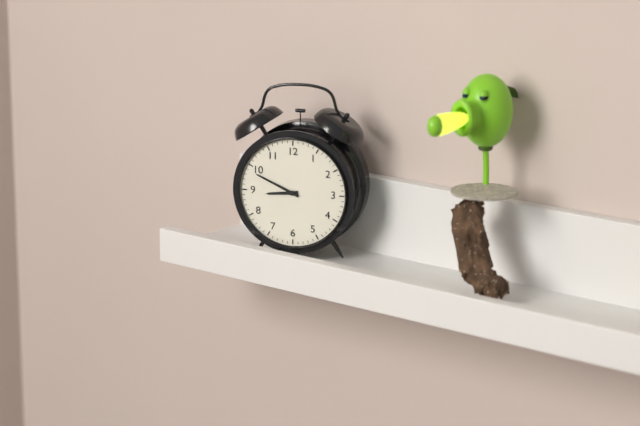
**8:49**
